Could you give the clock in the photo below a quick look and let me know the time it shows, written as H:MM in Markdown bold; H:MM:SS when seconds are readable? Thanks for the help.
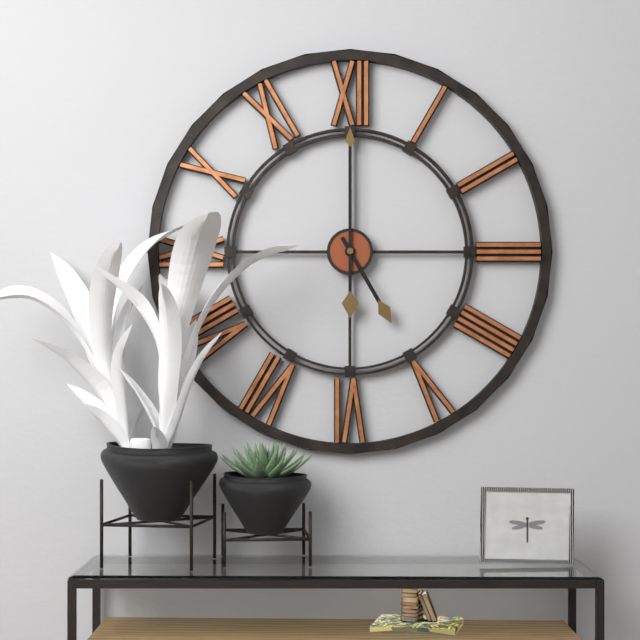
**5:00**
